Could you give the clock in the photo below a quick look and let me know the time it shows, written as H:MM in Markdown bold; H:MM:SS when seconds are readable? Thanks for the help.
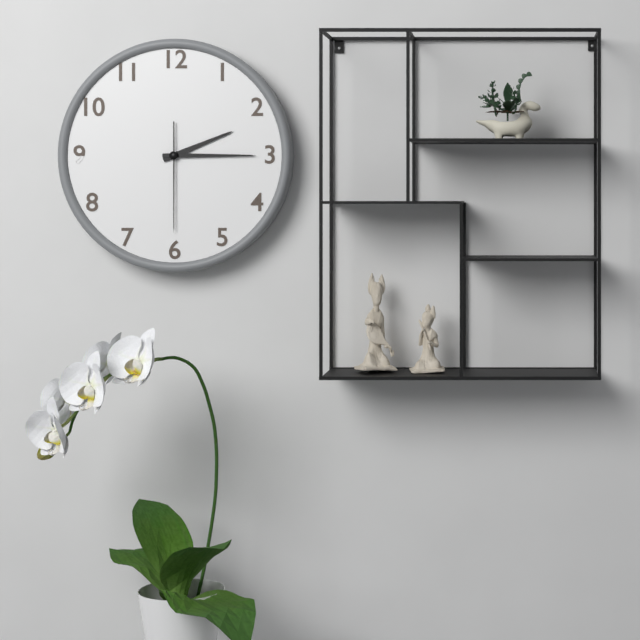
**2:15:30**
